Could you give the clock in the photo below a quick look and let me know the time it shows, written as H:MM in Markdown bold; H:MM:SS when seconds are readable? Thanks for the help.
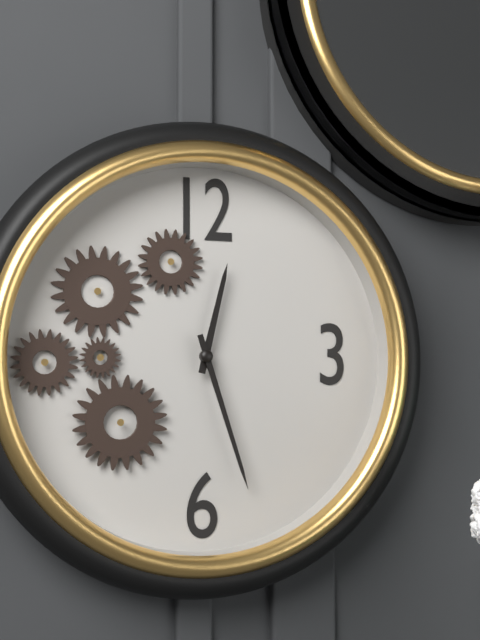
**12:27**
